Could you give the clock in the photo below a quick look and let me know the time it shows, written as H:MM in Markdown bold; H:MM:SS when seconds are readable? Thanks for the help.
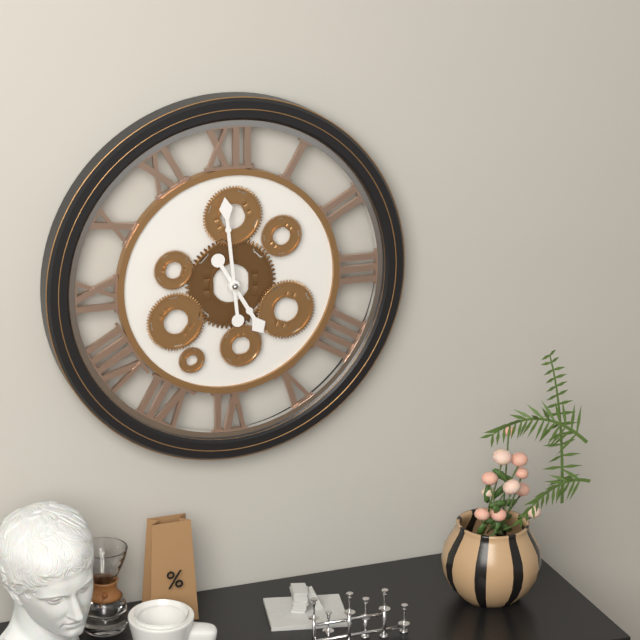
**4:59**
